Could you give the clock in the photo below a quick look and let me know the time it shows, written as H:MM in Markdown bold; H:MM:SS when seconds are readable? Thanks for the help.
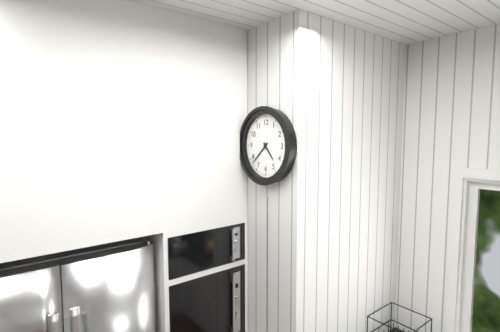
**4:38**
